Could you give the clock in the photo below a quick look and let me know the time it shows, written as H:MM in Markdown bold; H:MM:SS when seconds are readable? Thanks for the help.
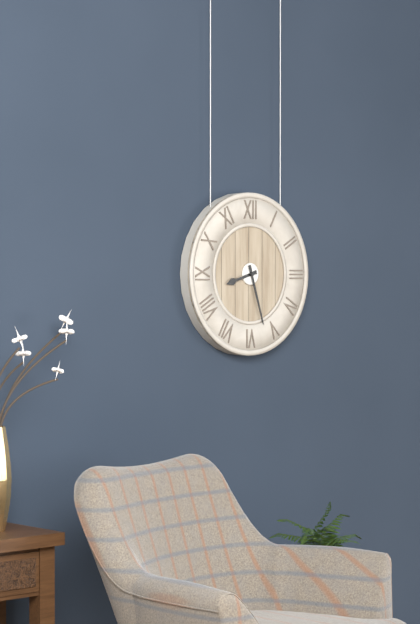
**8:27**
